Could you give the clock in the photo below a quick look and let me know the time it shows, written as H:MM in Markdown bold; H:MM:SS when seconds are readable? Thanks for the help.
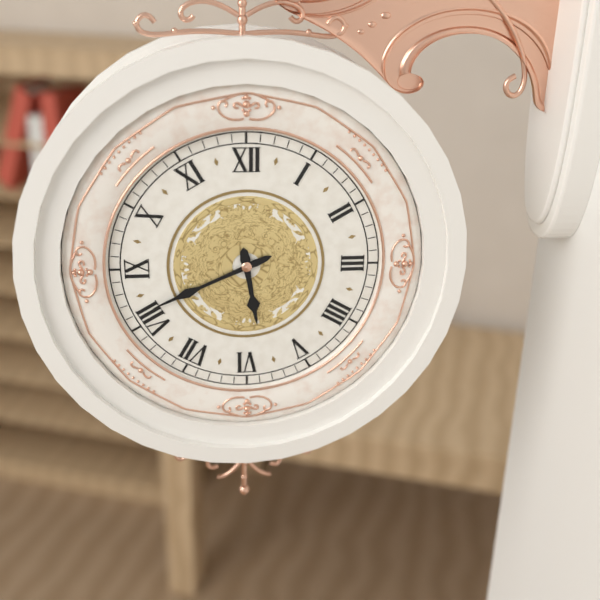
**5:41**
